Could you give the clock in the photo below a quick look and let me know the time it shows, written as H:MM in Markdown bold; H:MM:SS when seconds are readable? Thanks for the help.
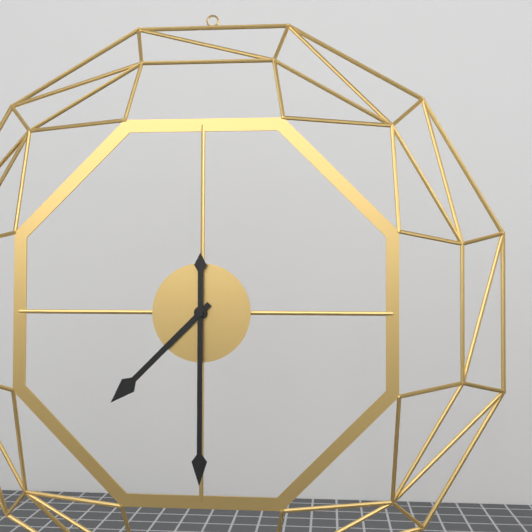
**7:30**
